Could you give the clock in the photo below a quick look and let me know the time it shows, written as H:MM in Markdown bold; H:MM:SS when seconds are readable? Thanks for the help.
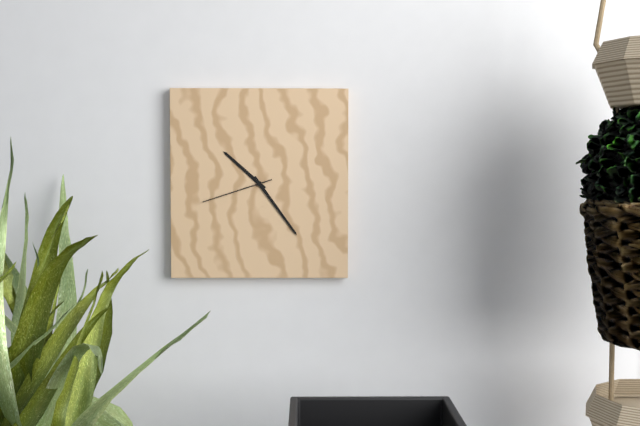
**10:24:42**
